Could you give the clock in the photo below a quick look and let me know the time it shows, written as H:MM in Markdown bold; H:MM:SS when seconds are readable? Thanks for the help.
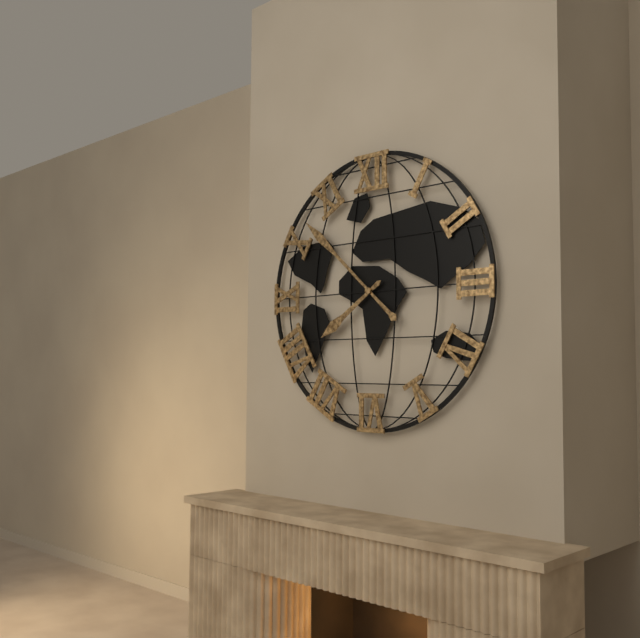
**7:52**
